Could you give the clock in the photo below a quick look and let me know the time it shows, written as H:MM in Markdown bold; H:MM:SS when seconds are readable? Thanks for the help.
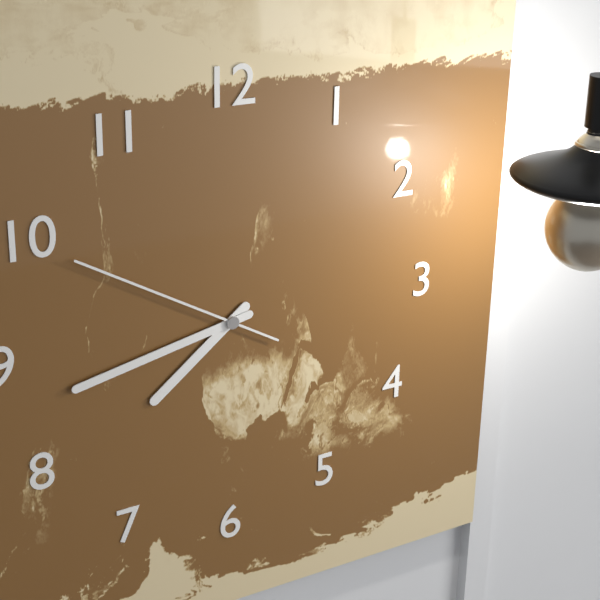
**7:43:50**
